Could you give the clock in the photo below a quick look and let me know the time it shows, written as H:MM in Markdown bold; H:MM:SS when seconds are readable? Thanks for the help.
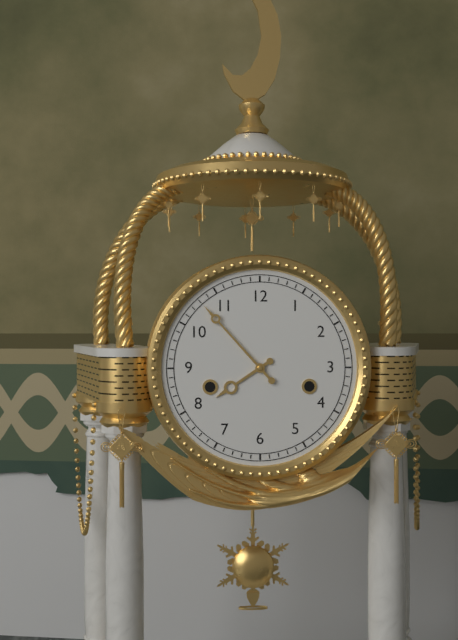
**7:53**
